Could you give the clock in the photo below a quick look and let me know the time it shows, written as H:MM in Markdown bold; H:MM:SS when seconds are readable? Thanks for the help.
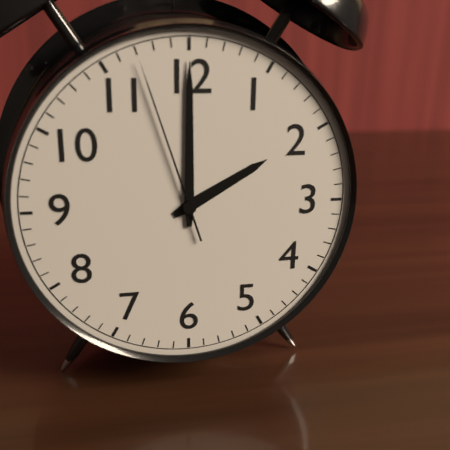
**2:00:57**
